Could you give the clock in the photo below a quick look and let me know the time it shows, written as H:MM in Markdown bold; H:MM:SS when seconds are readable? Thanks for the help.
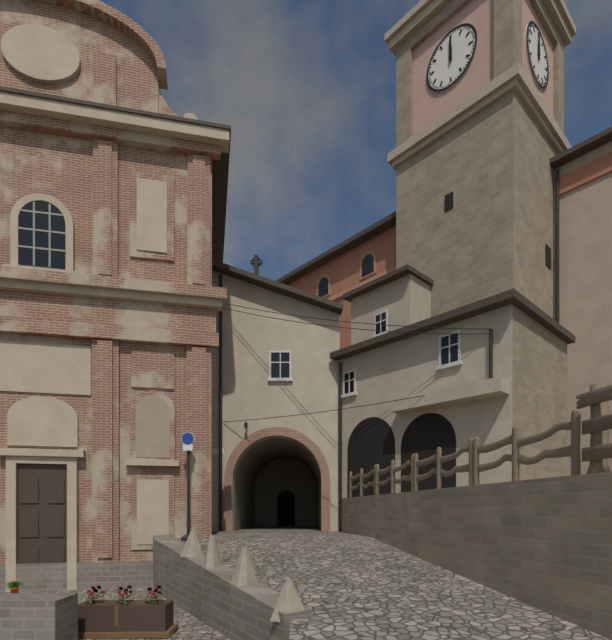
**12:00**
